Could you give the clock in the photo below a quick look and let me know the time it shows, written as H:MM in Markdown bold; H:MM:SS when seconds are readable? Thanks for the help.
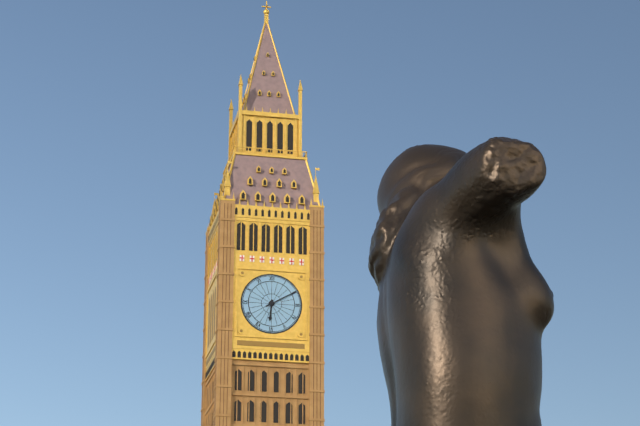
**6:10**
